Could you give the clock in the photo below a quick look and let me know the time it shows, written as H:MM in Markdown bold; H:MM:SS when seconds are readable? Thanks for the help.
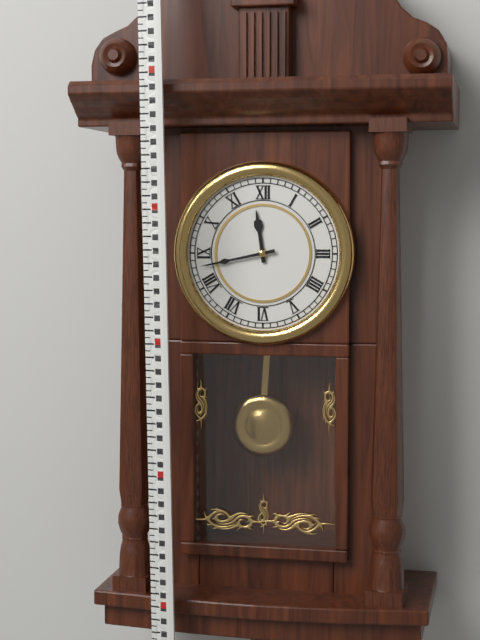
**11:43**
